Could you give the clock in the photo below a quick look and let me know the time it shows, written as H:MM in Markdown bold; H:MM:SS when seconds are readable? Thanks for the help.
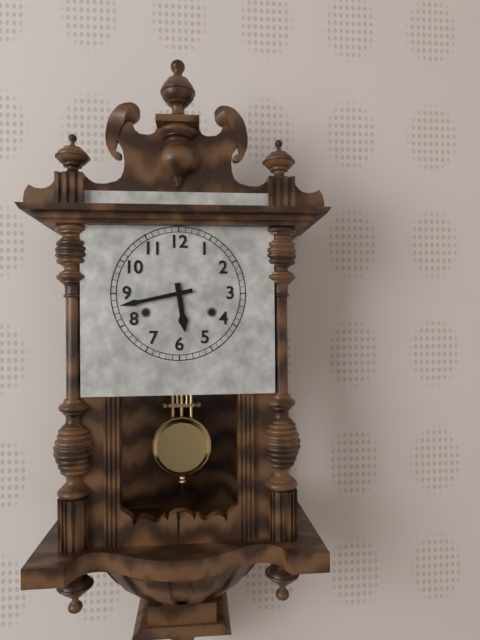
**5:43**
